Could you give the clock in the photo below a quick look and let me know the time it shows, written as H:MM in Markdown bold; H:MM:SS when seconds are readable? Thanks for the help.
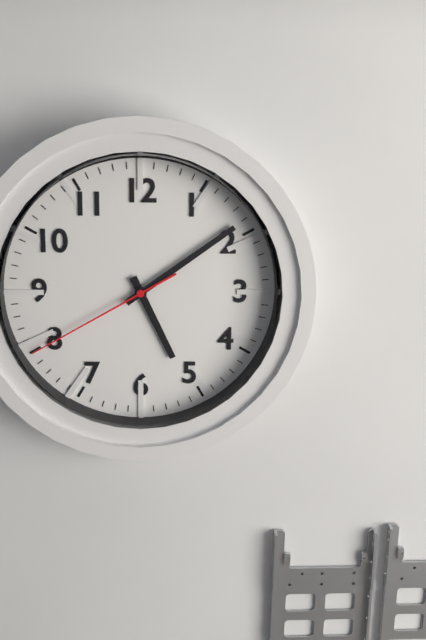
**5:09:40**
